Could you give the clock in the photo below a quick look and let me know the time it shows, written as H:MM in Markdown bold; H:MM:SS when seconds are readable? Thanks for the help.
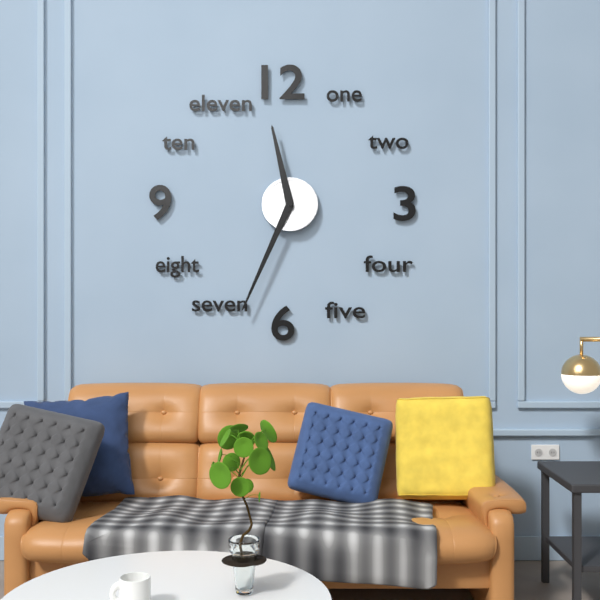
**11:34**
